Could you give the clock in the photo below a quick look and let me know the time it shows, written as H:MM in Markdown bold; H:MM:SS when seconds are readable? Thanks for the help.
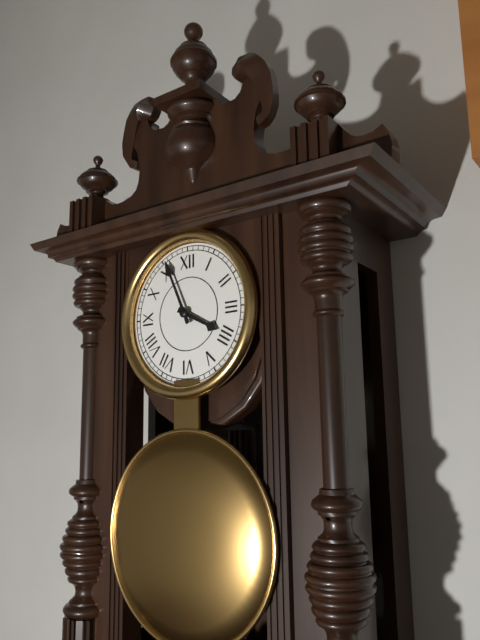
**3:56**
